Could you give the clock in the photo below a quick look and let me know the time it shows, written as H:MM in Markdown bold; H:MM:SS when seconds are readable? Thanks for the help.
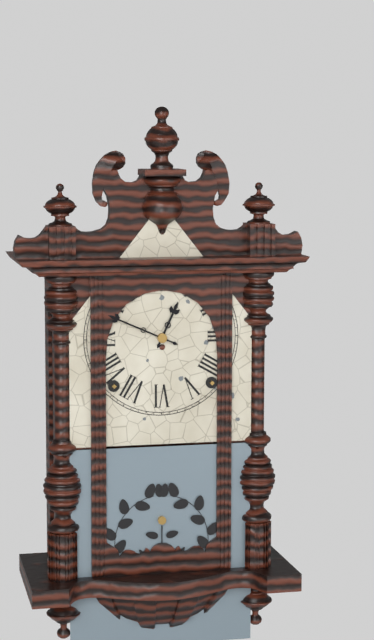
**12:49**
